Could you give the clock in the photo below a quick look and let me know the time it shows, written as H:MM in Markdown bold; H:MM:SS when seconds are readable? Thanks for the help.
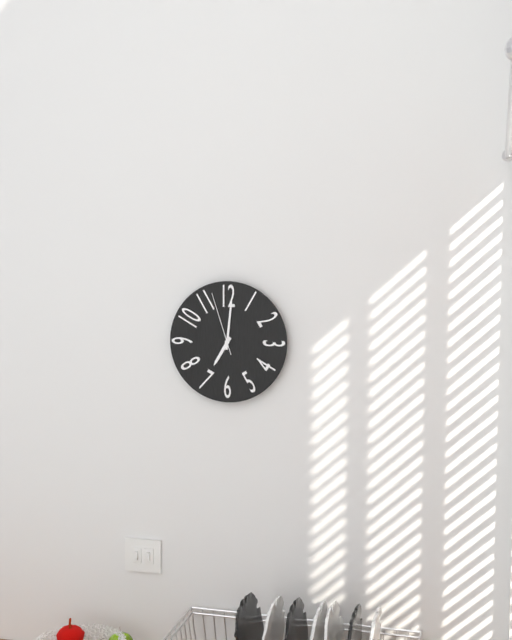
**7:01:57**
